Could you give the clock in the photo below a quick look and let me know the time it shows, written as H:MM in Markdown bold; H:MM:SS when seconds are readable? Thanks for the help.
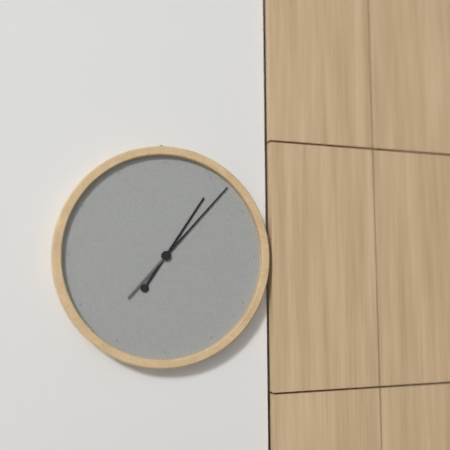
**1:07**
